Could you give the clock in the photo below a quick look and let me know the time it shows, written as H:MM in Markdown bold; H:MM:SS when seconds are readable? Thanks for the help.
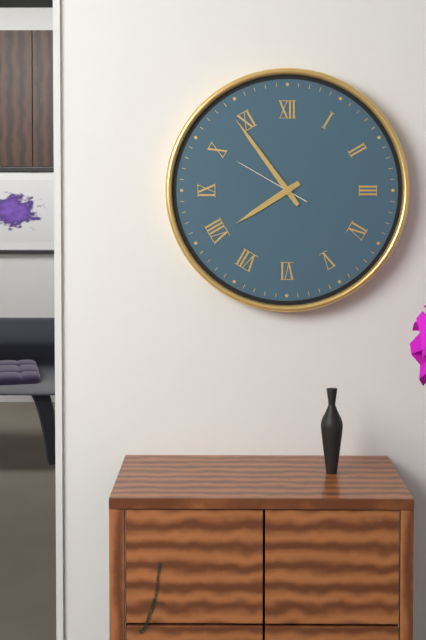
**7:54:50**
